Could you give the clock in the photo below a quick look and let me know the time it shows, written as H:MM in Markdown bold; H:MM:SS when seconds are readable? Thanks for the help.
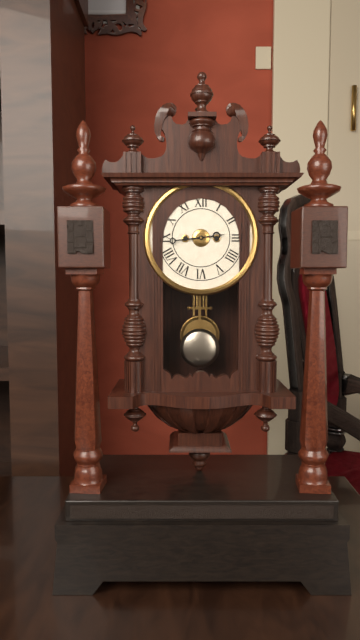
**2:44**
